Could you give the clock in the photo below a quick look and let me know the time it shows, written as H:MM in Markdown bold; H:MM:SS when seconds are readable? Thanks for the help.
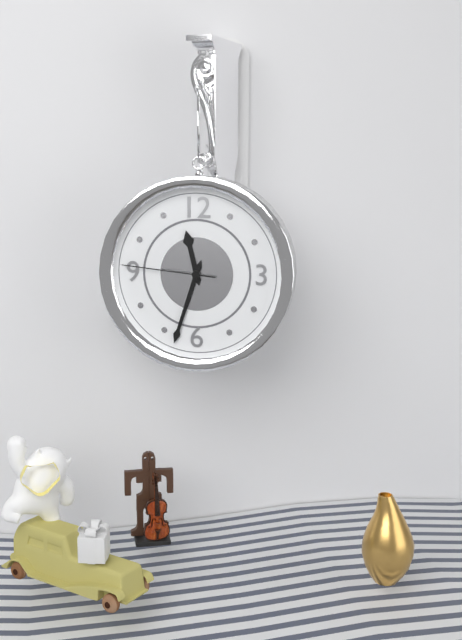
**11:33:46**
